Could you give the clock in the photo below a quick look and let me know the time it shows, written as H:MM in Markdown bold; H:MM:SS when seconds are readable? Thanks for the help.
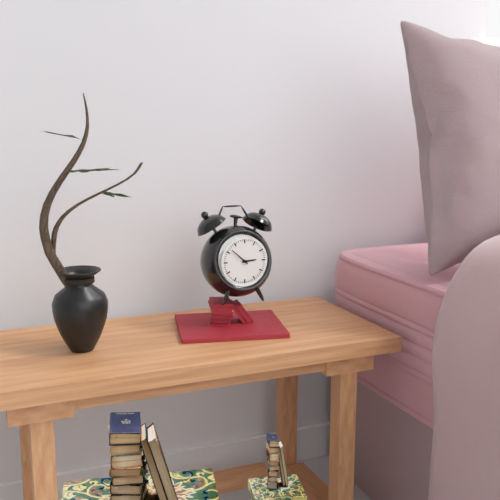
**2:52**
